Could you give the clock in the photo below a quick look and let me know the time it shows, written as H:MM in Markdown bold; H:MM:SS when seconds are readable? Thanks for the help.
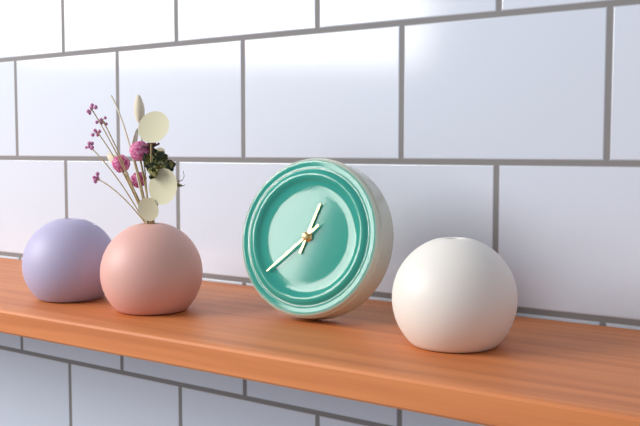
**12:38**
